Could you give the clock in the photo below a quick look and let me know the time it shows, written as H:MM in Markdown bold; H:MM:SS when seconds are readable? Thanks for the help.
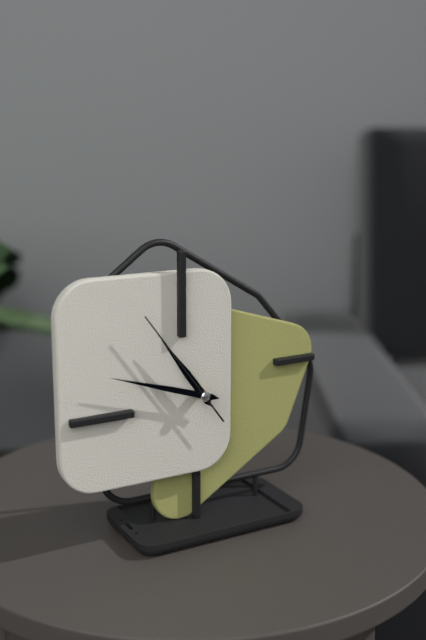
**10:48:54**
